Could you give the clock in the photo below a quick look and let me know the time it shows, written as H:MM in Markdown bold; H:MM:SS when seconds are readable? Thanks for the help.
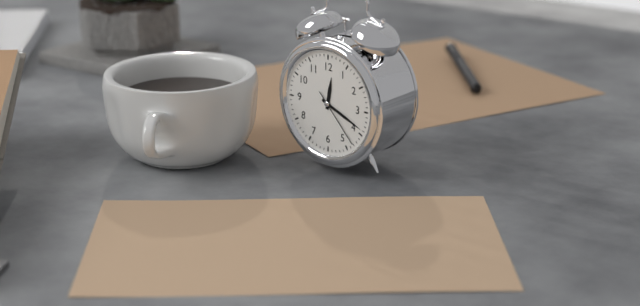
**12:19:23**
